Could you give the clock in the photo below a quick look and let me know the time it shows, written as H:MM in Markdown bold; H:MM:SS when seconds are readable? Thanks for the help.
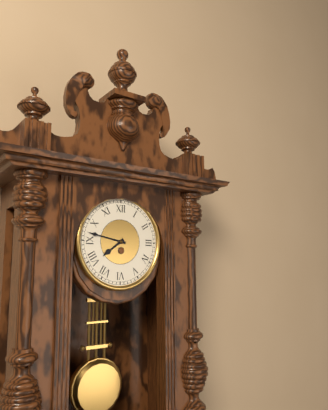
**7:47**
